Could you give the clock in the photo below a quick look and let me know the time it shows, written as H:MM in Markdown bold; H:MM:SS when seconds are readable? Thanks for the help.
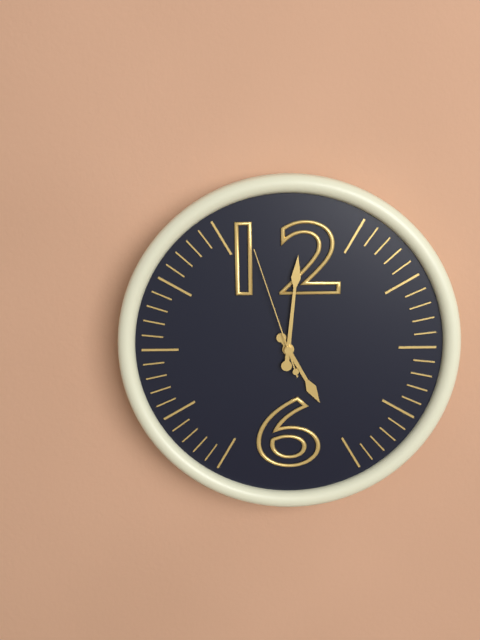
**5:01:57**
